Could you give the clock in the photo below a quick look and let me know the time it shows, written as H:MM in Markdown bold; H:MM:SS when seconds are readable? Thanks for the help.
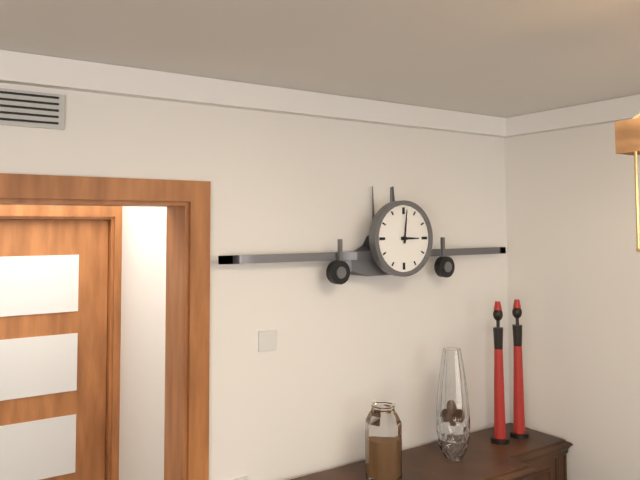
**3:01**
